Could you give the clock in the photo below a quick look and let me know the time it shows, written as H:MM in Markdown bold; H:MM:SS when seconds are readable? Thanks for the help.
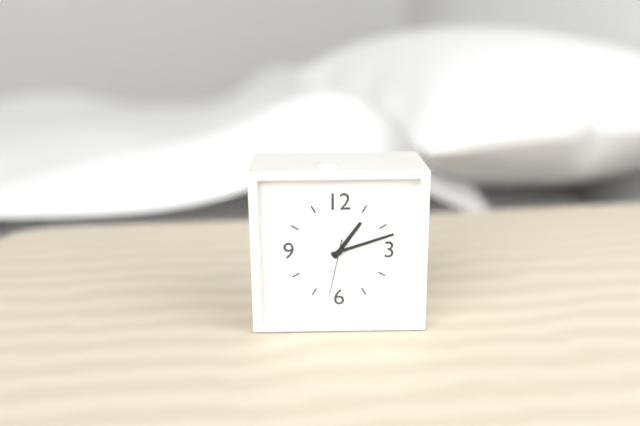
**1:12:32**
